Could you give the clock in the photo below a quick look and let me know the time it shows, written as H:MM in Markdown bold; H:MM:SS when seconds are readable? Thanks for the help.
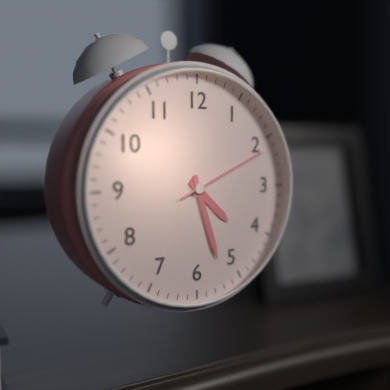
**4:27:11**
